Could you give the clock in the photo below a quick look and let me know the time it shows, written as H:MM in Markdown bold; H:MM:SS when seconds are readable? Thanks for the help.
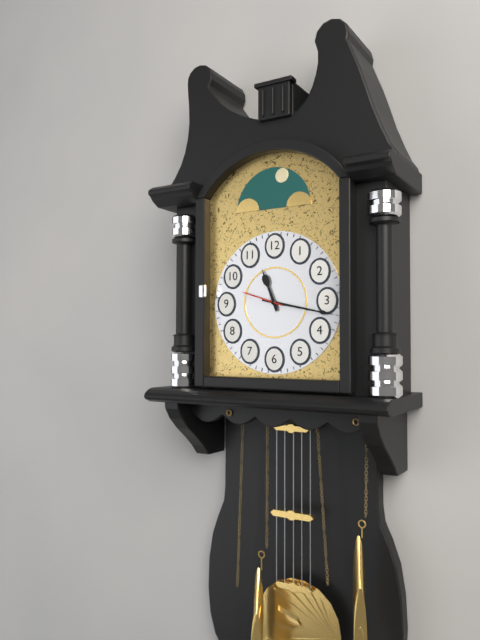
**11:17**
